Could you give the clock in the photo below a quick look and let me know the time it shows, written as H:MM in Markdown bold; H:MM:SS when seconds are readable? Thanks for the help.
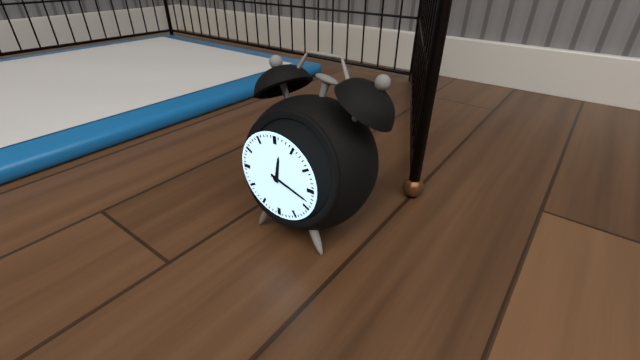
**12:18**
